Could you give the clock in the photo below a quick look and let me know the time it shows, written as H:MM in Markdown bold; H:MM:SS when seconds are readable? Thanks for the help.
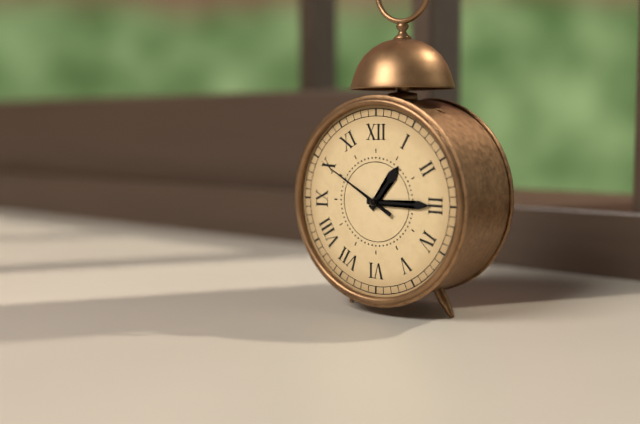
**1:15:50**
